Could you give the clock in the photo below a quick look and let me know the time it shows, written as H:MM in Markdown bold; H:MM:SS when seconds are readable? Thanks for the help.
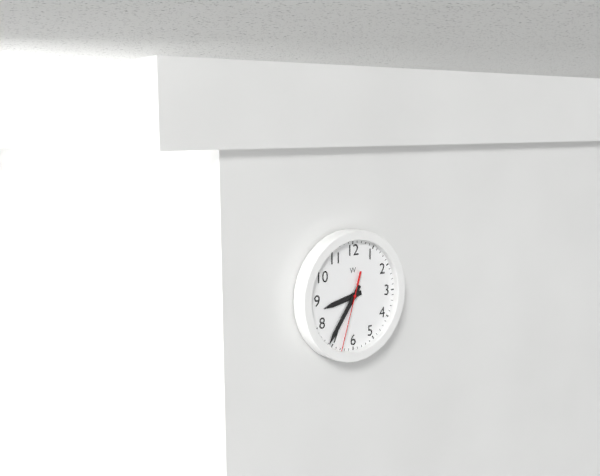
**8:36:33**
